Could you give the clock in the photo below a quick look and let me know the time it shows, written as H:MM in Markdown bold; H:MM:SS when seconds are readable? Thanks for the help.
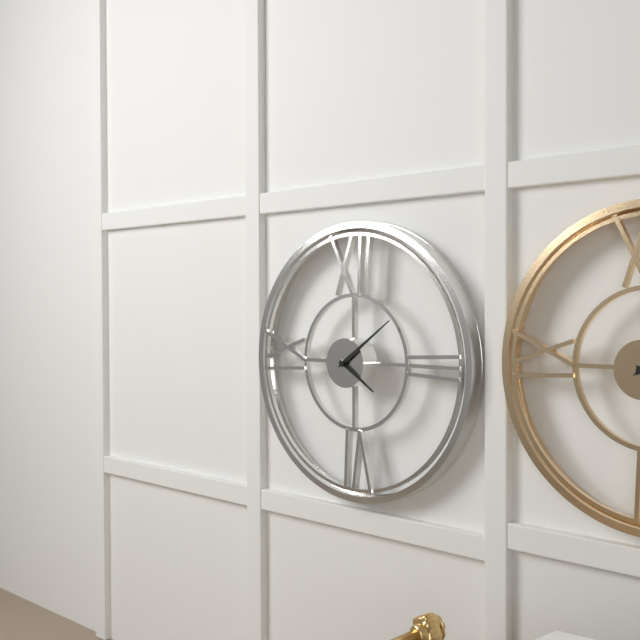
**4:09**
